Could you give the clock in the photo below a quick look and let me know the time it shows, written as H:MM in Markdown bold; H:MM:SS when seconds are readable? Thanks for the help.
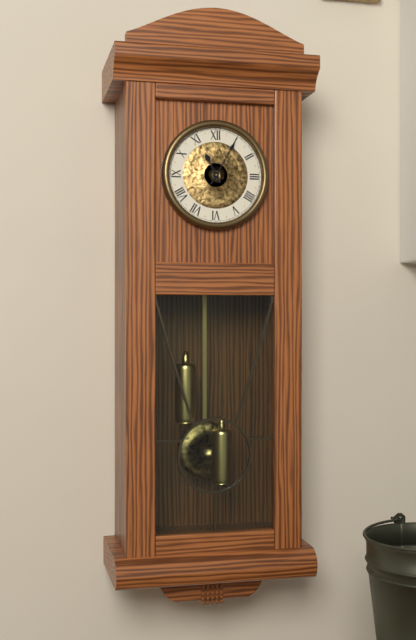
**11:05**
